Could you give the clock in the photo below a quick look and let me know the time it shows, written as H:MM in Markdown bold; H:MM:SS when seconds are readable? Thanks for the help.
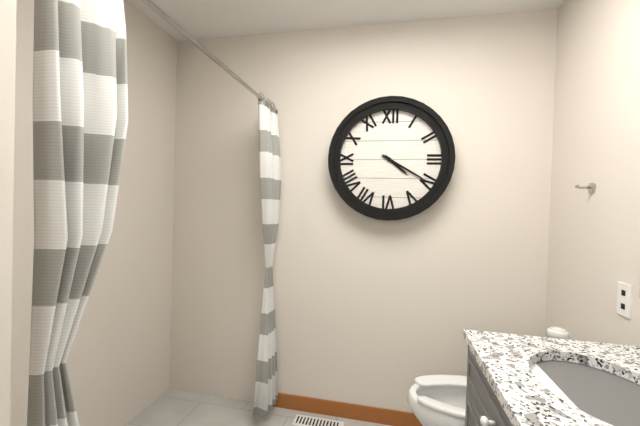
**4:20**
